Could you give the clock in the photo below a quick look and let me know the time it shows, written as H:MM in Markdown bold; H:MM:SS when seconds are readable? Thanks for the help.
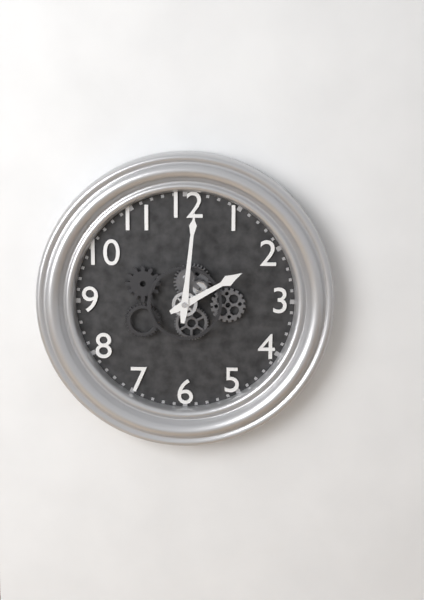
**2:01**
